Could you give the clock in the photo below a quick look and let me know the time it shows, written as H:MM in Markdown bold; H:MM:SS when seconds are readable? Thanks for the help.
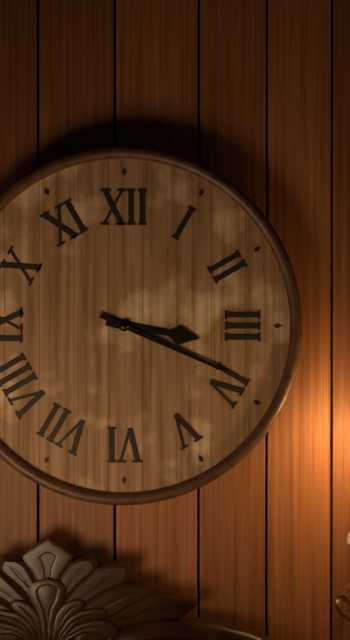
**3:19**
